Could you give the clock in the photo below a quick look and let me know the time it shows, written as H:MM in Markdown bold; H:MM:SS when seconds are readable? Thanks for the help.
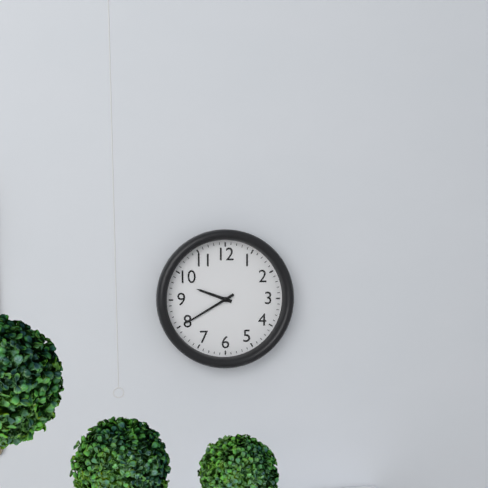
**9:40**
